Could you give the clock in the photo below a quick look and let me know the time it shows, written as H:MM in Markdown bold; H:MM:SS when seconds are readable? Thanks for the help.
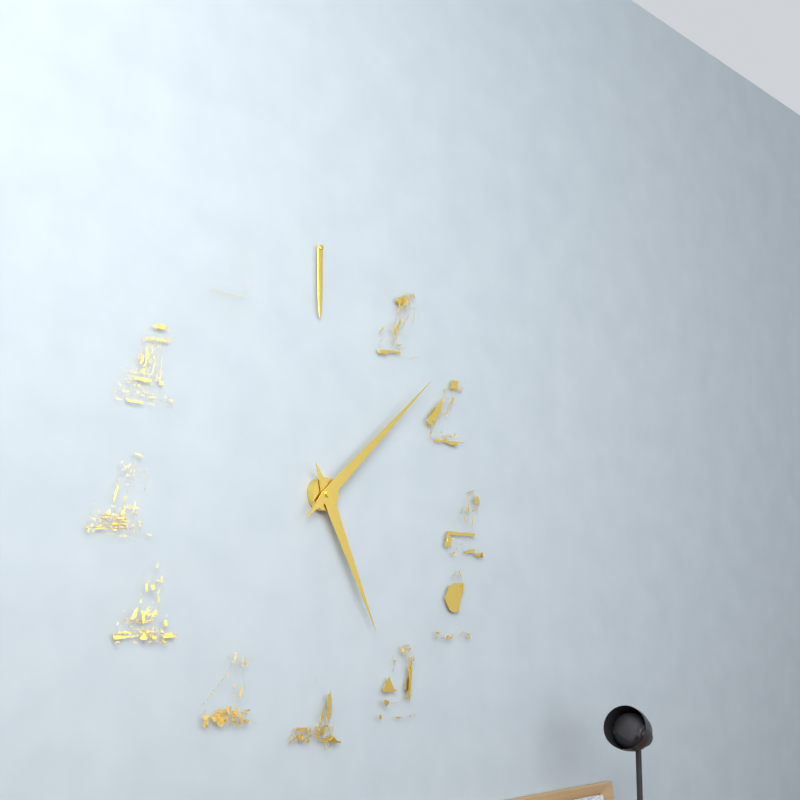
**5:08**
